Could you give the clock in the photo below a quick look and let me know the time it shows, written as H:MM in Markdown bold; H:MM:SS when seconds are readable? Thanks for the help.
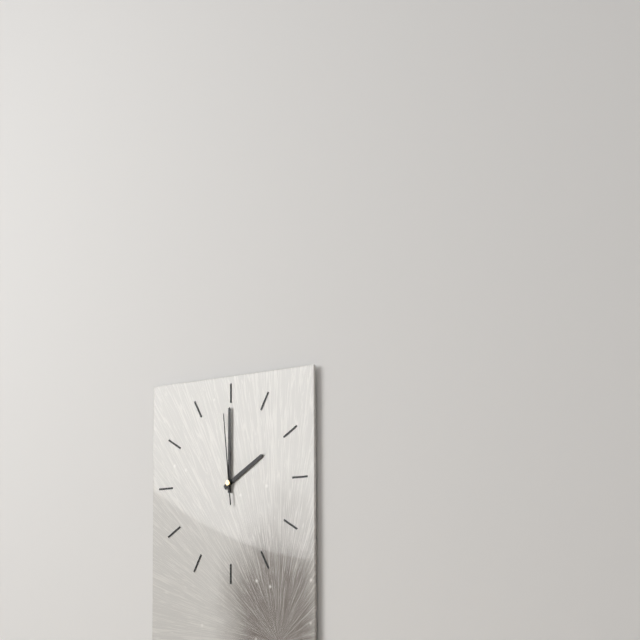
**2:00:59**
